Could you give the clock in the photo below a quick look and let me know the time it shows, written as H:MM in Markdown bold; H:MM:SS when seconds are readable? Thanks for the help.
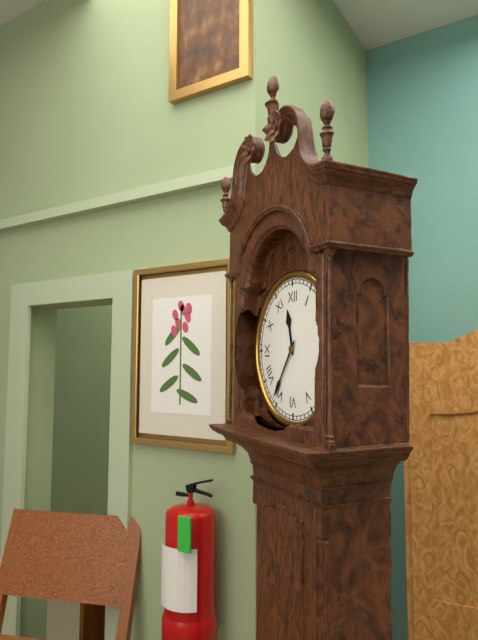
**11:36**
